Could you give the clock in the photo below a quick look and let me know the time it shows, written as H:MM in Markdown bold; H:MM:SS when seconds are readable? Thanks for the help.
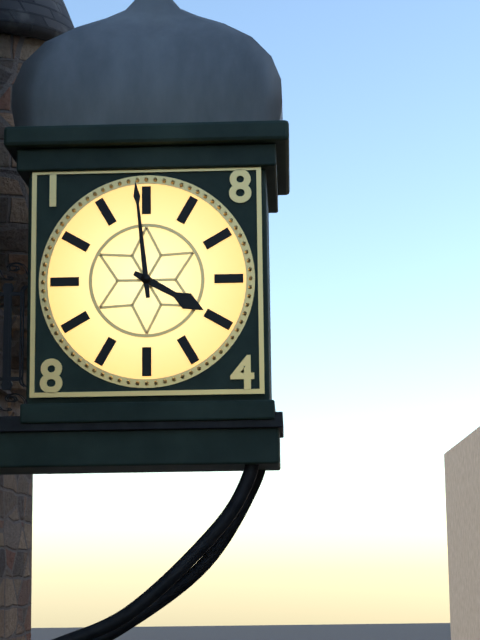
**3:59**
